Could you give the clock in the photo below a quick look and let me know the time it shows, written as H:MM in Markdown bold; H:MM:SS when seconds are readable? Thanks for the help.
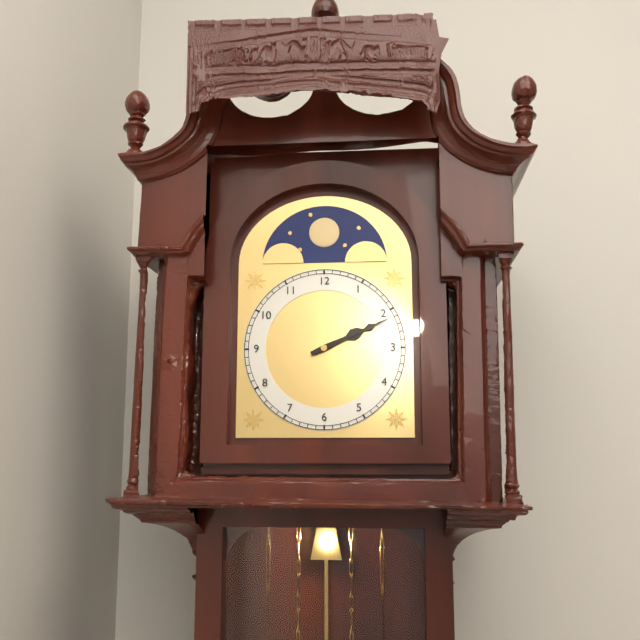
**2:11**
